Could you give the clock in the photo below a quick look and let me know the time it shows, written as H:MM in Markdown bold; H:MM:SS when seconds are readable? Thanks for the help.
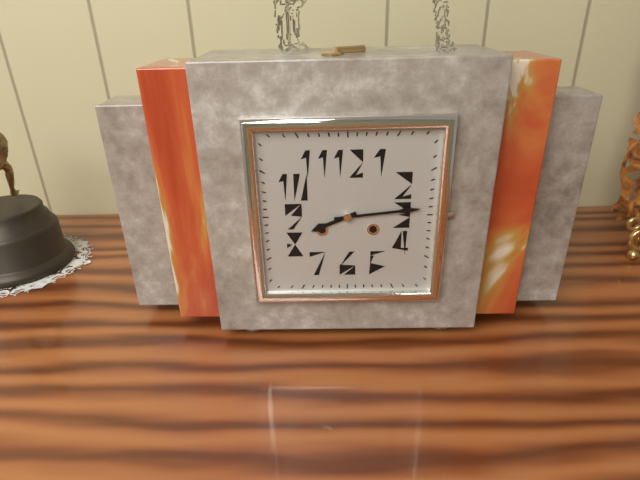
**8:14**
